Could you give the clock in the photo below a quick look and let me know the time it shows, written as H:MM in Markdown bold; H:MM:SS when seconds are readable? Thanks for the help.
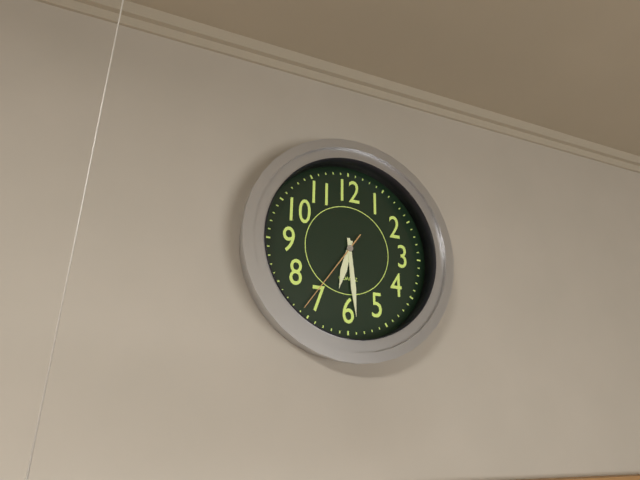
**6:29:36**
